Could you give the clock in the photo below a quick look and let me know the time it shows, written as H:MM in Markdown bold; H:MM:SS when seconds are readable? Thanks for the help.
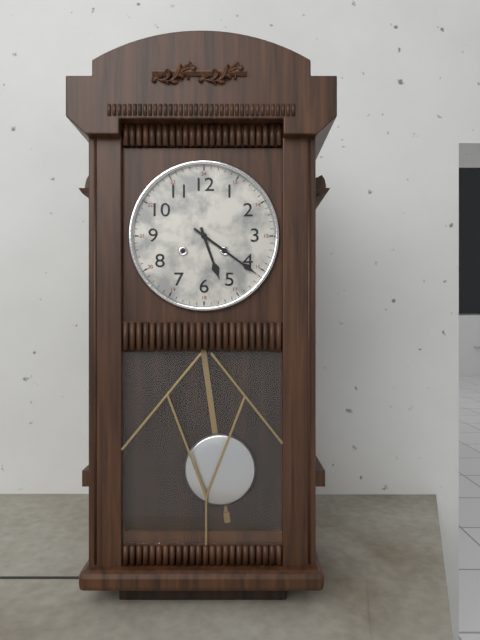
**5:21**
